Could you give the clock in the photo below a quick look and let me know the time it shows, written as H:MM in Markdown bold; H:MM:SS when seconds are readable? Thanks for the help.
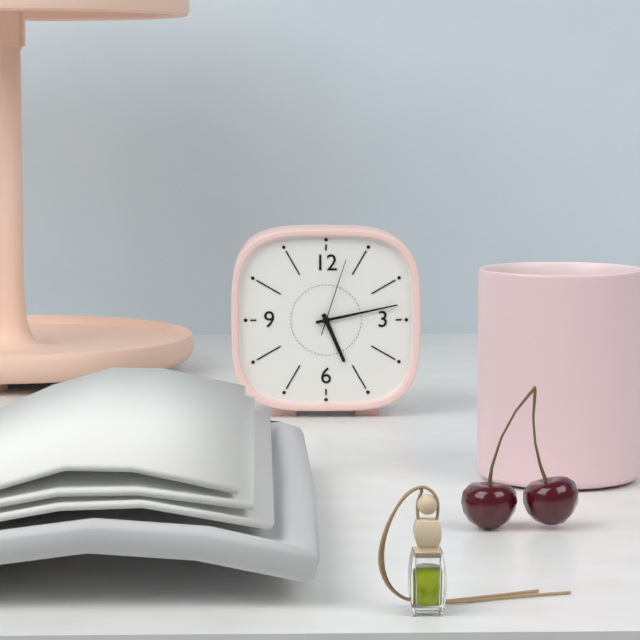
**5:13:03**
